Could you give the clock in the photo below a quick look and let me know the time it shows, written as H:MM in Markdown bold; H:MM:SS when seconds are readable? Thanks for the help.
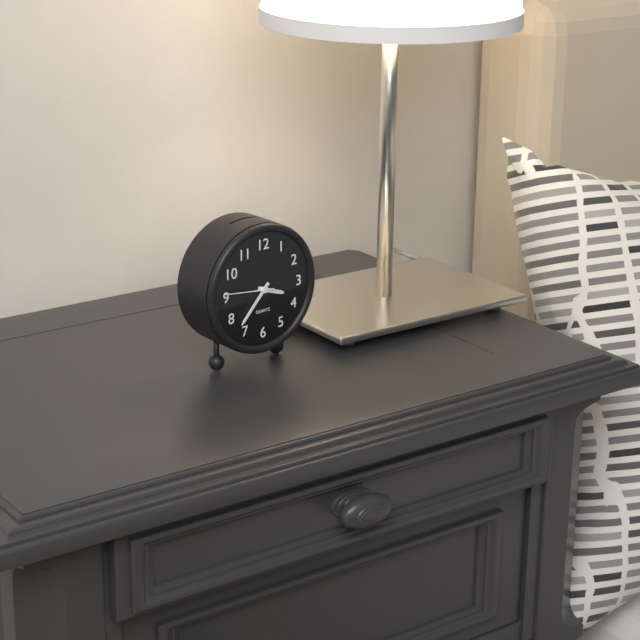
**3:37:46**
